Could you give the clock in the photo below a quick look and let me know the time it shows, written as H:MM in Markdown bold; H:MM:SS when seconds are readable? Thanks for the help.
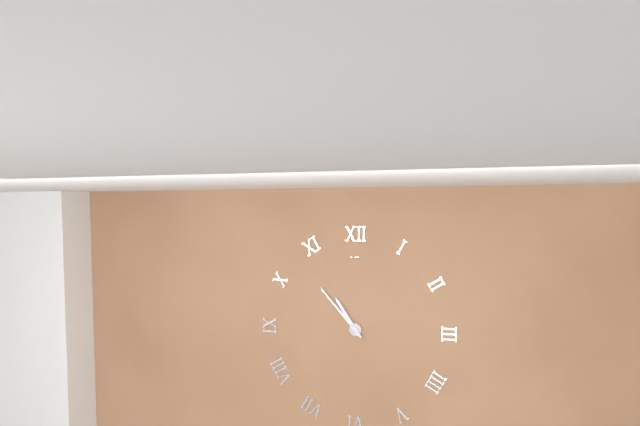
**10:53**
